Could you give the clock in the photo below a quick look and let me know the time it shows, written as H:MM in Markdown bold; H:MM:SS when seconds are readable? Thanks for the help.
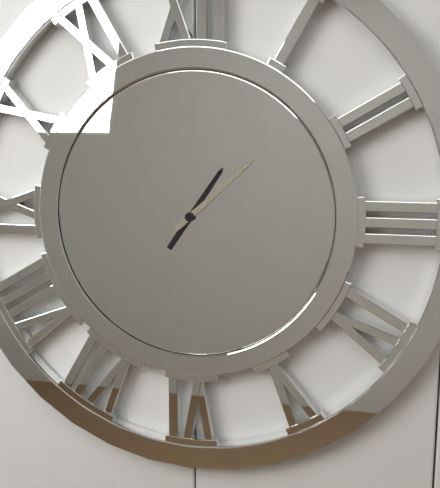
**1:08**
